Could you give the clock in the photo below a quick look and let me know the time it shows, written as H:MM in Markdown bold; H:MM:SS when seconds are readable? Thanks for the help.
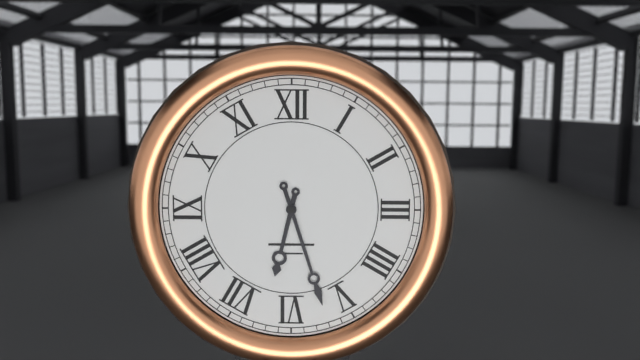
**6:27**
